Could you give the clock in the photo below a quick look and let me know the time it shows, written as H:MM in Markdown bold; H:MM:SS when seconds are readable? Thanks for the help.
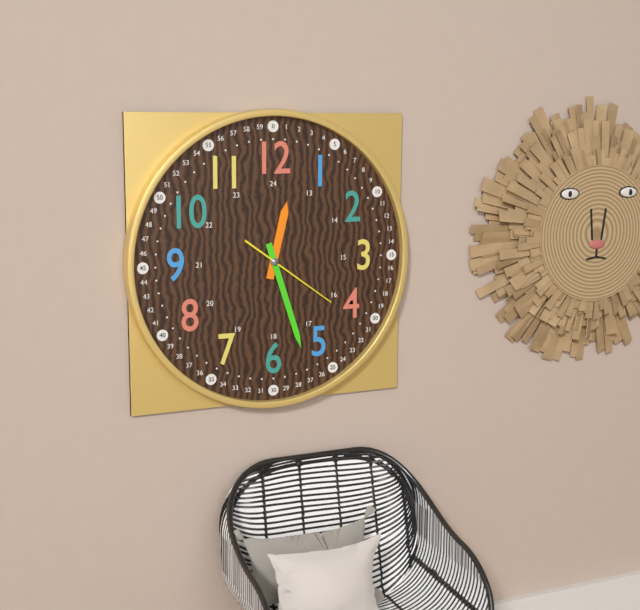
**12:27:21**
